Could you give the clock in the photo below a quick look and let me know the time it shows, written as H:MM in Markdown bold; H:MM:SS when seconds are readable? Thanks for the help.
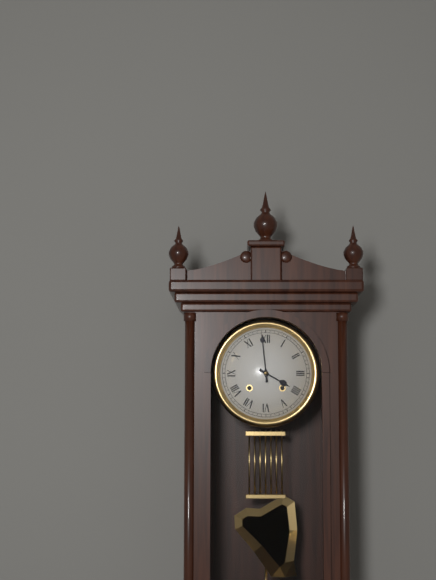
**3:59**
